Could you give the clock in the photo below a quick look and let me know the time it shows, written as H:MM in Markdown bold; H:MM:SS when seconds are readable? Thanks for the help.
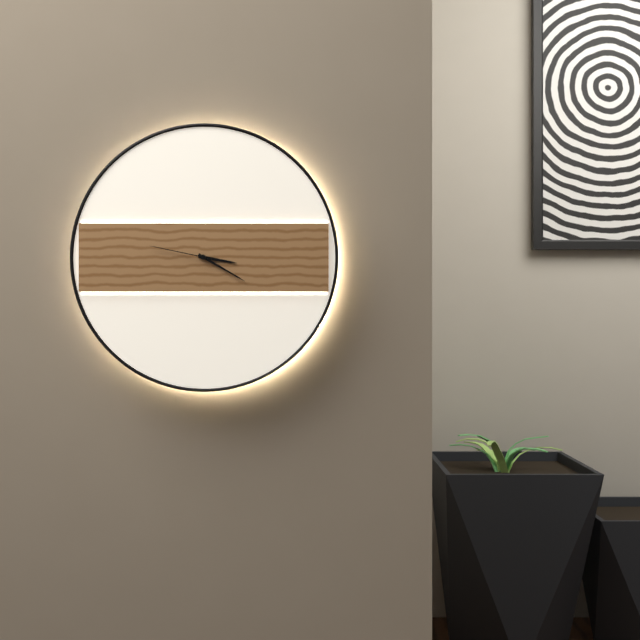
**3:20:47**
